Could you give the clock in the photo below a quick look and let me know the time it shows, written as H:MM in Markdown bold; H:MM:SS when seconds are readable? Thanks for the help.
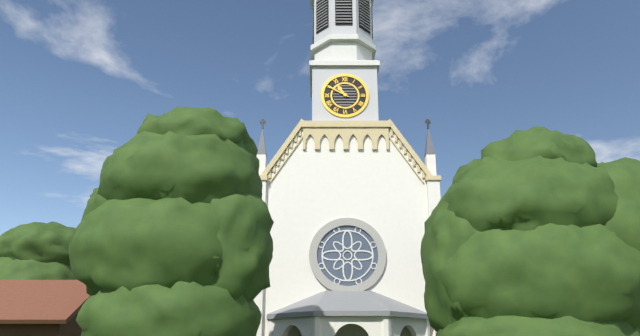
**10:50**
